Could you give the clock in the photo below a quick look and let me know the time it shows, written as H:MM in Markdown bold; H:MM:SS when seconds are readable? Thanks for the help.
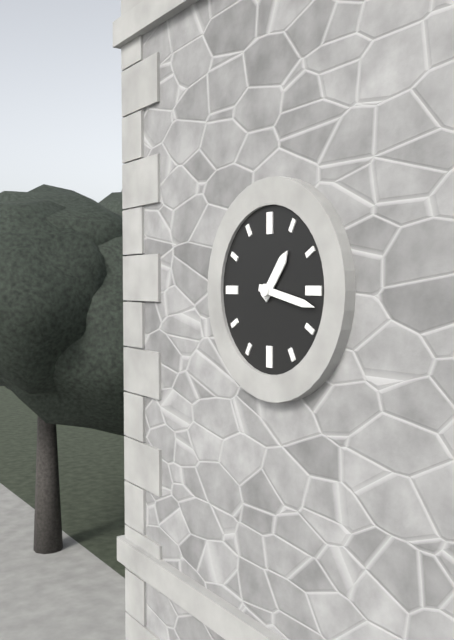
**1:17**
